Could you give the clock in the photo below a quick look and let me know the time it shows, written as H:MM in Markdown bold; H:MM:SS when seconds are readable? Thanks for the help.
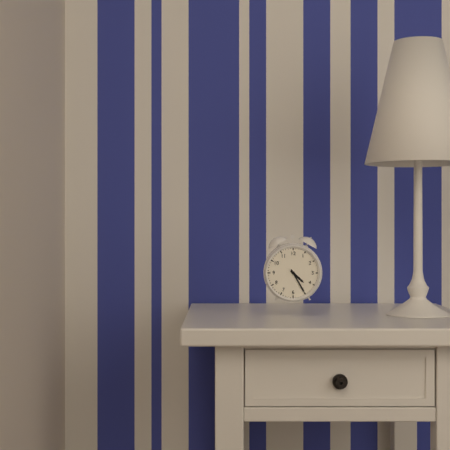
**4:25**
